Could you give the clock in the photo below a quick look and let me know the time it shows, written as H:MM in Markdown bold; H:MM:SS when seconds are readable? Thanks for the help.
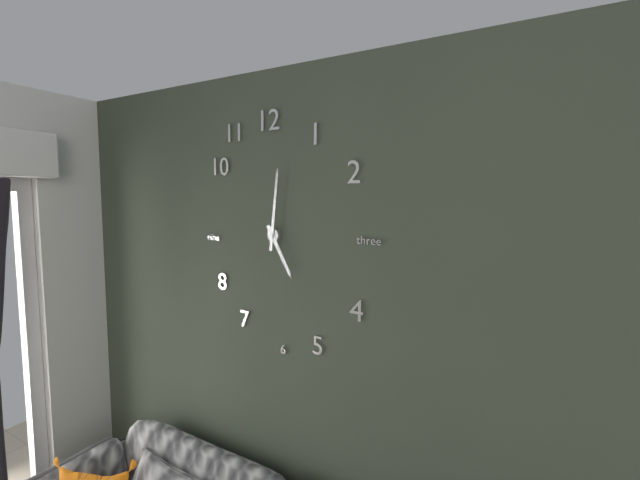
**5:01**
